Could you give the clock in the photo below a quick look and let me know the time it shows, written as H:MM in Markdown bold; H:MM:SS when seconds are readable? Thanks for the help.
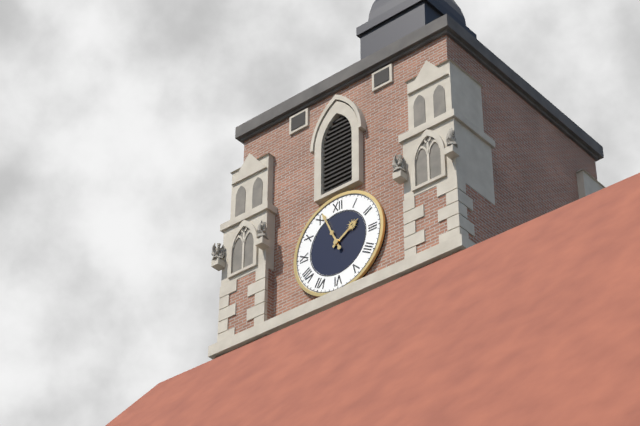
**1:56**
